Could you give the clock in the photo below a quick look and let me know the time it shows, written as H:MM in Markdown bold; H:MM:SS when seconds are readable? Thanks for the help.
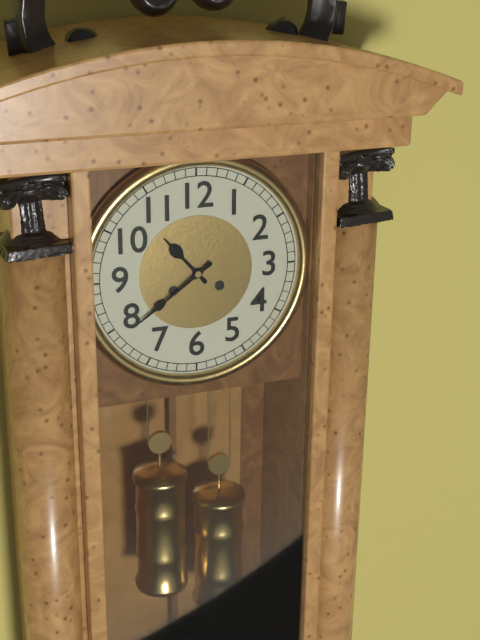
**10:39**
